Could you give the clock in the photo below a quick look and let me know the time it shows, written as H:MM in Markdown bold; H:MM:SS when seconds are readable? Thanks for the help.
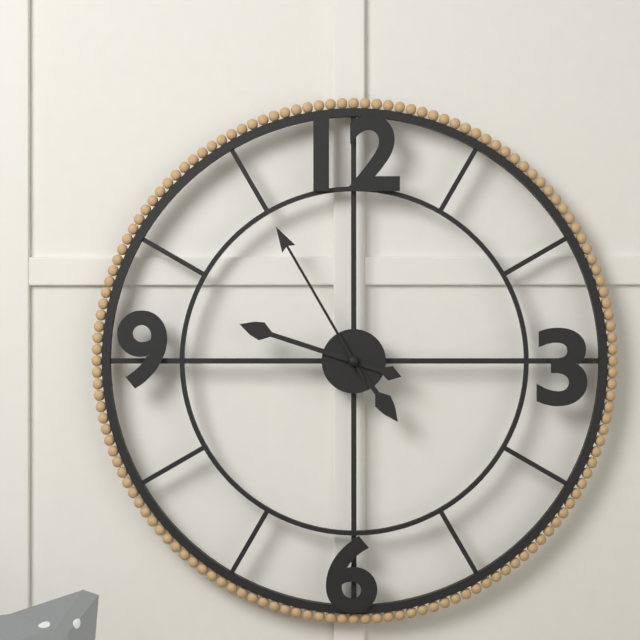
**4:48:55**
